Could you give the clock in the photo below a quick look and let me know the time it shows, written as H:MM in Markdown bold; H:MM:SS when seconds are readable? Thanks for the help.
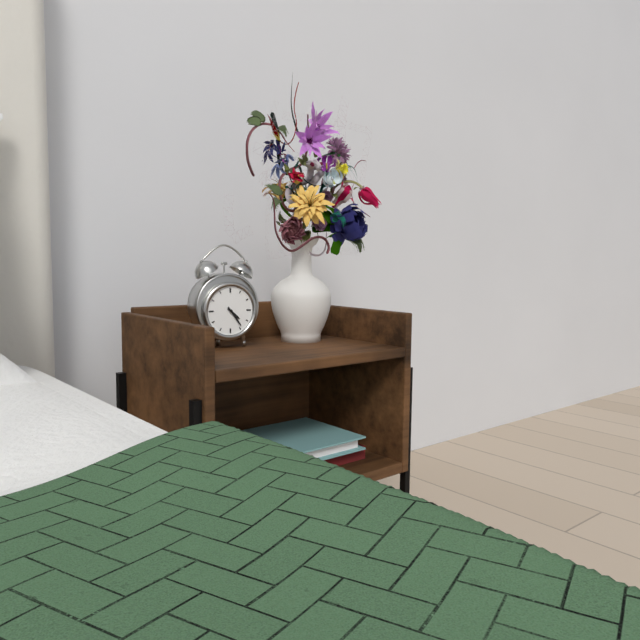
**4:24**
